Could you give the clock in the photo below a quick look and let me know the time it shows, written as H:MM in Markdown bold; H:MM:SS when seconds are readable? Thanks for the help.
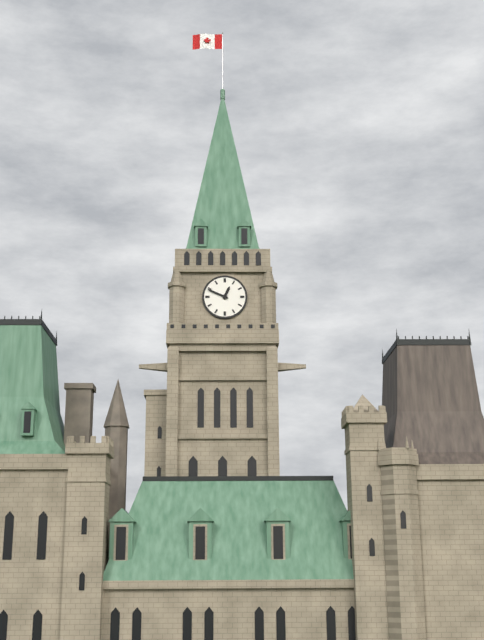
**12:49**
